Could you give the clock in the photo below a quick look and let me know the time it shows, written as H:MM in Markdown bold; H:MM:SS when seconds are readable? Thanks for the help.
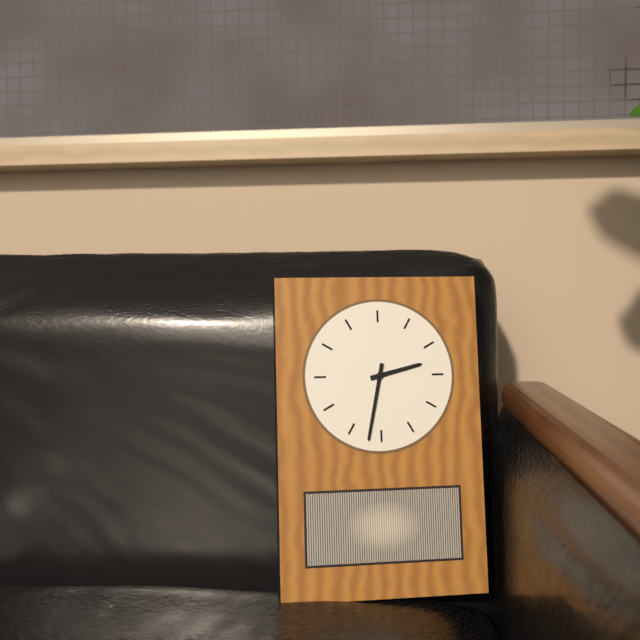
**2:32**
